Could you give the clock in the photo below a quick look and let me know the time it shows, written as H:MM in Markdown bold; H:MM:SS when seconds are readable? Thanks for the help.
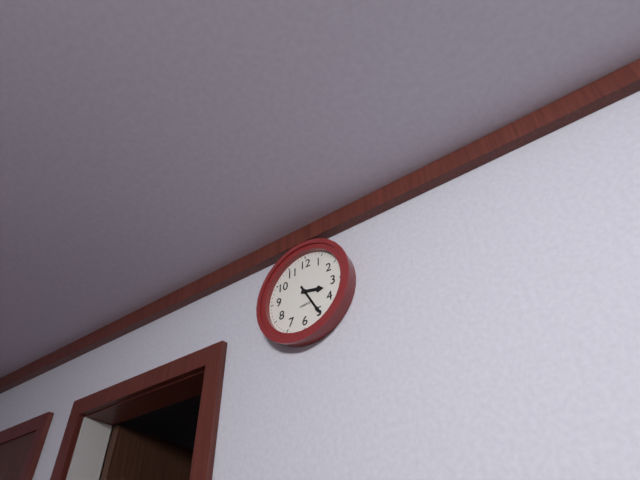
**3:25**
